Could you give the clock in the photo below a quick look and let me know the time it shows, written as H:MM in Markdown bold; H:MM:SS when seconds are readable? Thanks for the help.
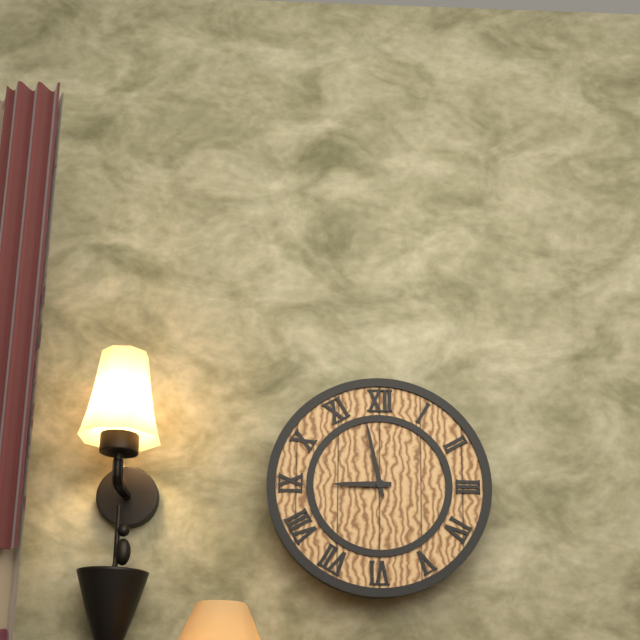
**8:58**
